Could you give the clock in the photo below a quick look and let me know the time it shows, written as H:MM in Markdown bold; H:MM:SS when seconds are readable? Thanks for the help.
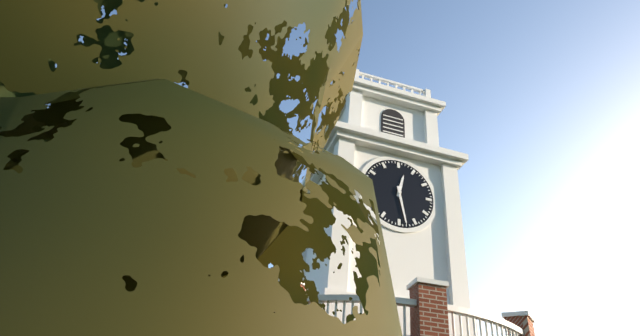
**12:28**
